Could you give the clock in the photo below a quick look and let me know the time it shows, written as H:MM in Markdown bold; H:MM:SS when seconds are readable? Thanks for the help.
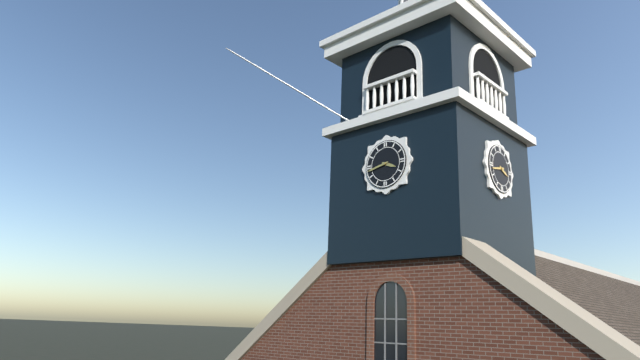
**3:43**
